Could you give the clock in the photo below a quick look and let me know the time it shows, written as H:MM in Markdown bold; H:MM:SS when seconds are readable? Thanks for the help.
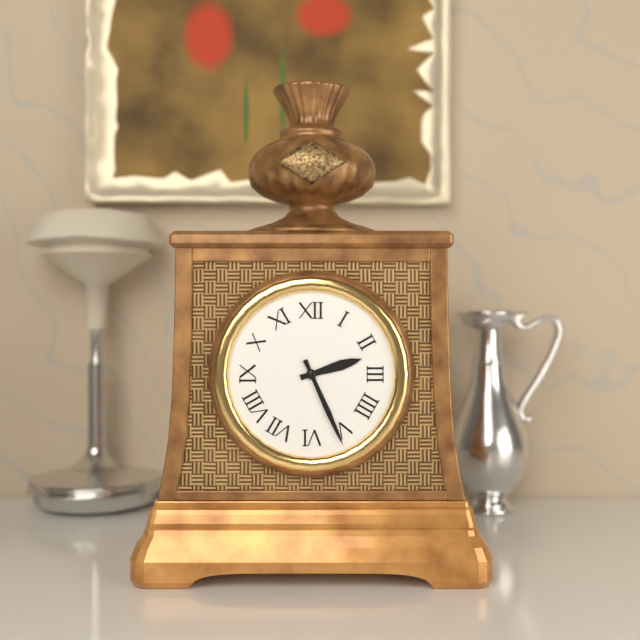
**2:26**
